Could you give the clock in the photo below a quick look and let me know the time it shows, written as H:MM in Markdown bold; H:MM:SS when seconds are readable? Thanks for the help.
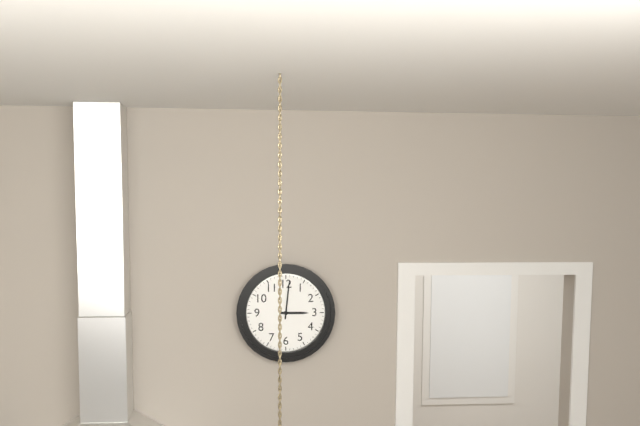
**3:01**
